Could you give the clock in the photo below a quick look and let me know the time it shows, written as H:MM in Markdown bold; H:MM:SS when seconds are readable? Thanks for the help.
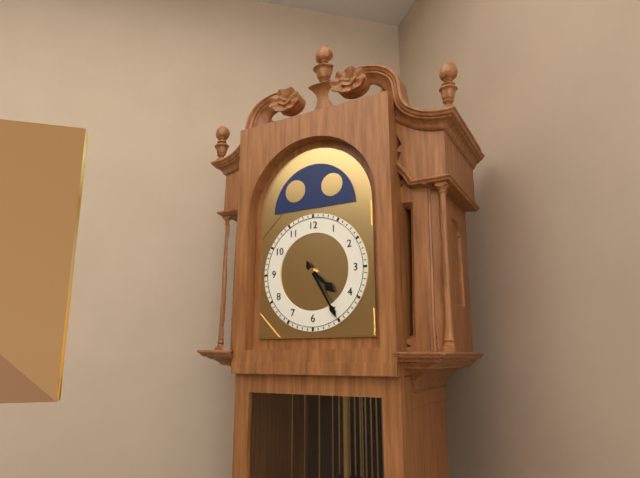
**4:25**
